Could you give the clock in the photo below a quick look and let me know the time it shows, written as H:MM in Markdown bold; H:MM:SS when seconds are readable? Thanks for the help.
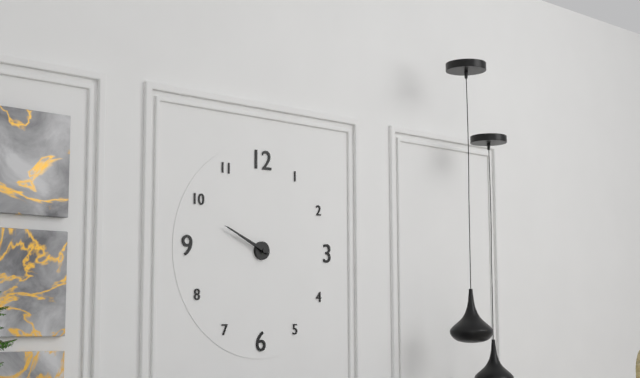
**9:49**
